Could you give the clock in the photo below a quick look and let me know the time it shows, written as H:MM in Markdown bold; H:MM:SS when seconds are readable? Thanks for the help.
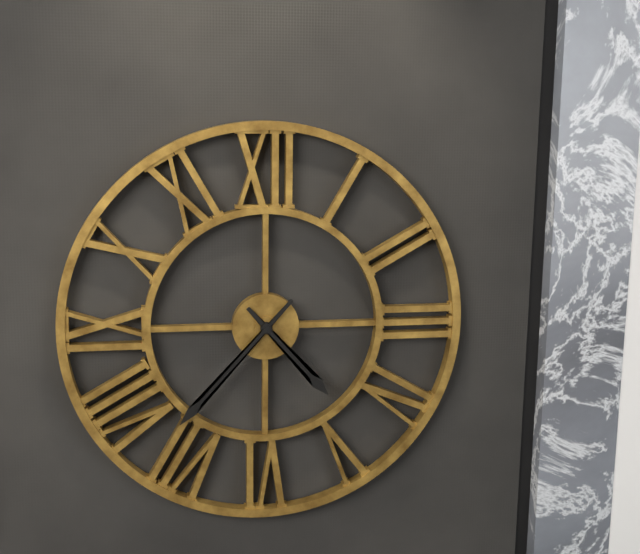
**4:37**
